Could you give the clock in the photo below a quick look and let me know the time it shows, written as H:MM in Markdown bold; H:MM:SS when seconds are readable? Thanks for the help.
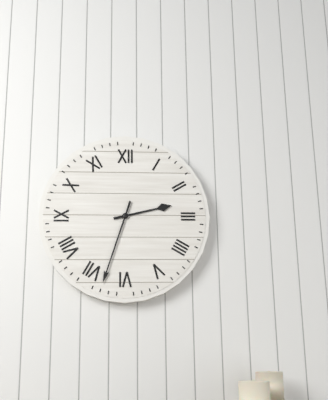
**2:33**
